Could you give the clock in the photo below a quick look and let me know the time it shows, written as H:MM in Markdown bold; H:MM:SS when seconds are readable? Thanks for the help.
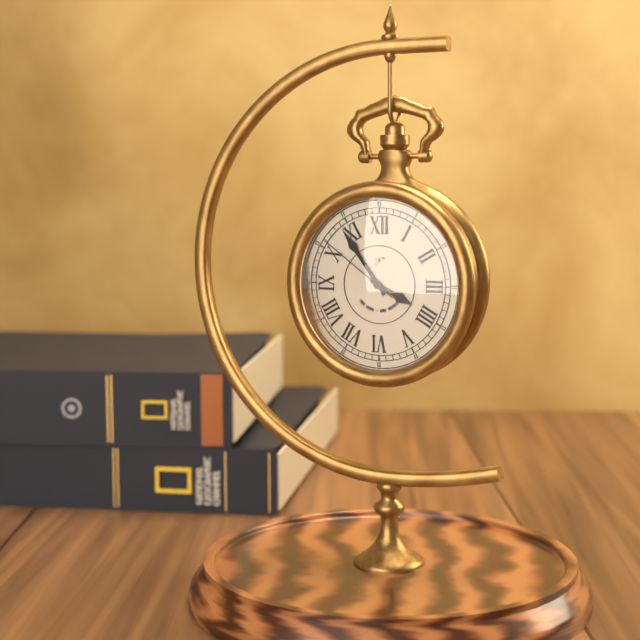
**3:54:51**
